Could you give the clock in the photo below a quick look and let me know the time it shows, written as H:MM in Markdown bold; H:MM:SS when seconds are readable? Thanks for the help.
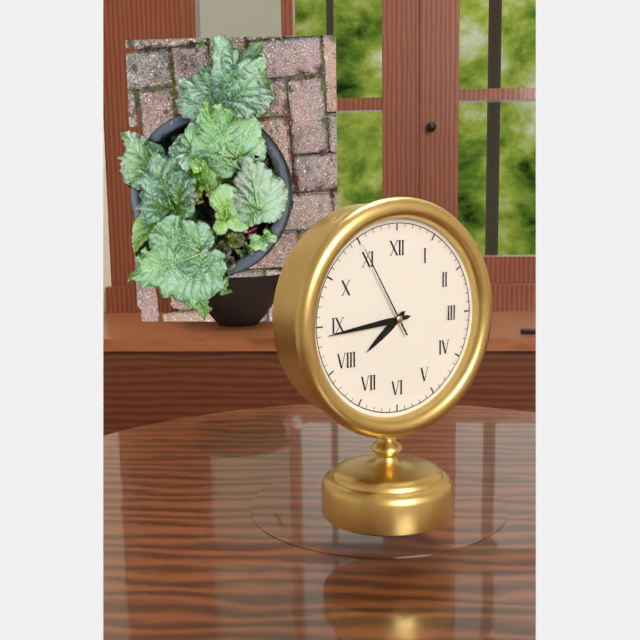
**7:44:55**
